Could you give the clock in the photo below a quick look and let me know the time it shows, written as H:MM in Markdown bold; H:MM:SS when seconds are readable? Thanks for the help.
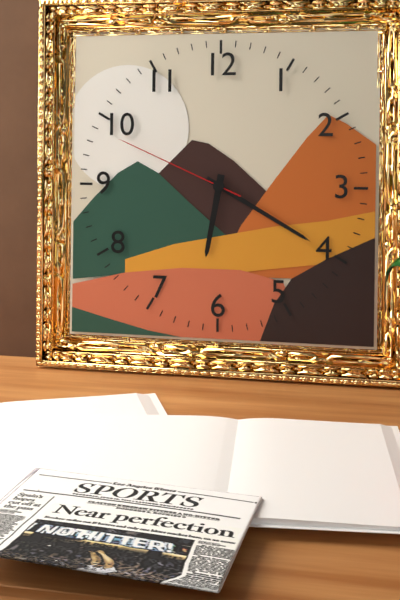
**6:20:49**
